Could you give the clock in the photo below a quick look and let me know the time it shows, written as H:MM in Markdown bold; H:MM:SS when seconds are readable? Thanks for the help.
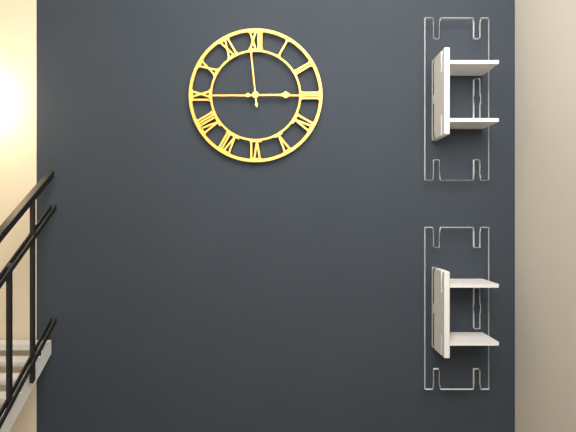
**2:59**
